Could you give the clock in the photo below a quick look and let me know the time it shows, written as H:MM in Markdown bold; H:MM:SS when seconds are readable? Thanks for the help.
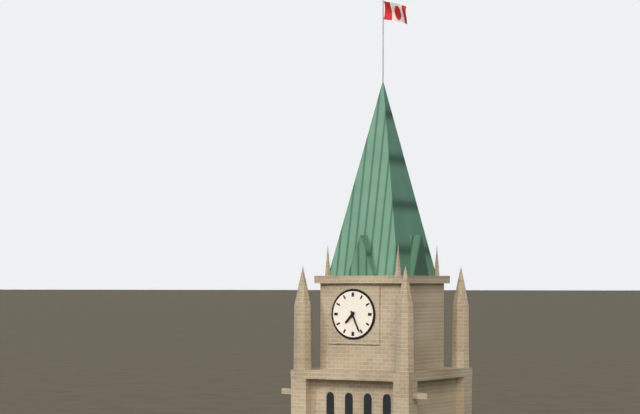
**7:26**
